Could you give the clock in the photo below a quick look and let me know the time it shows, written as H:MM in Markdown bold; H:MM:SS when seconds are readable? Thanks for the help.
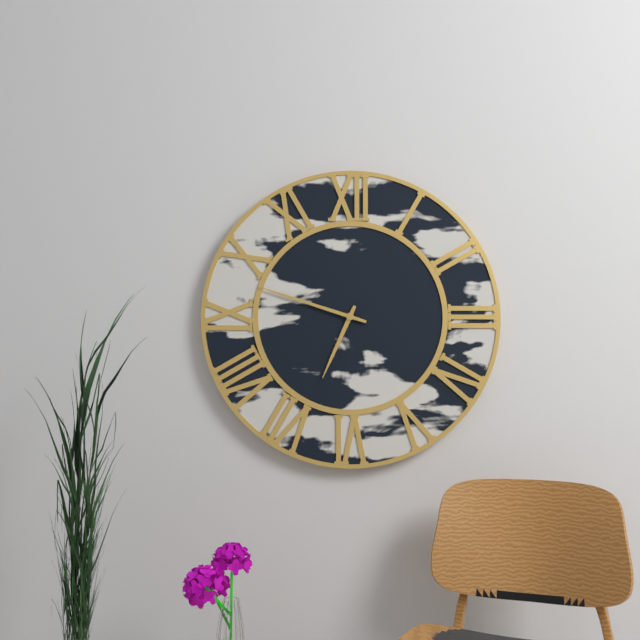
**6:48**
